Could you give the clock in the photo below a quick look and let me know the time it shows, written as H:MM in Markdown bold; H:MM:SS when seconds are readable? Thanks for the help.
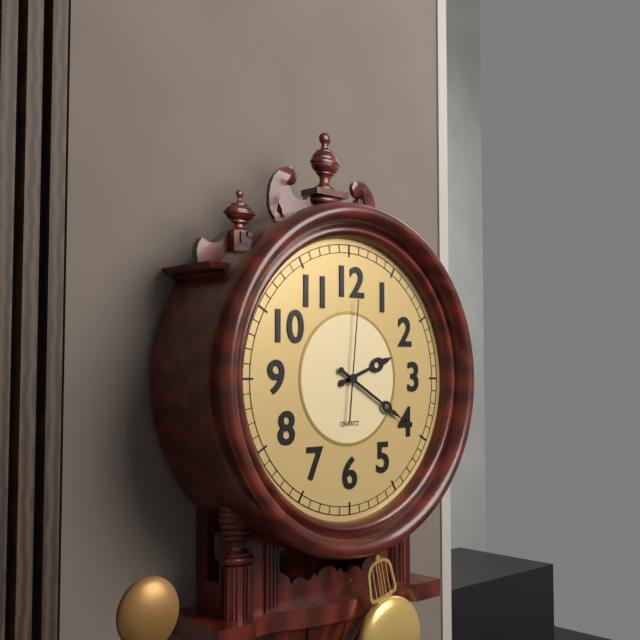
**2:20:01**
